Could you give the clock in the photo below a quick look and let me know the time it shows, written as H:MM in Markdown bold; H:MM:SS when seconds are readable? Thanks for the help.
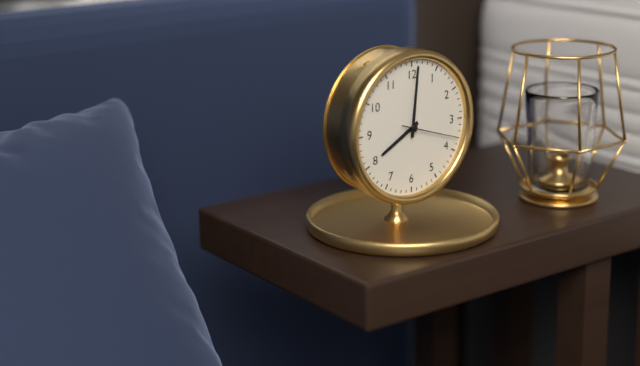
**8:01:18**
